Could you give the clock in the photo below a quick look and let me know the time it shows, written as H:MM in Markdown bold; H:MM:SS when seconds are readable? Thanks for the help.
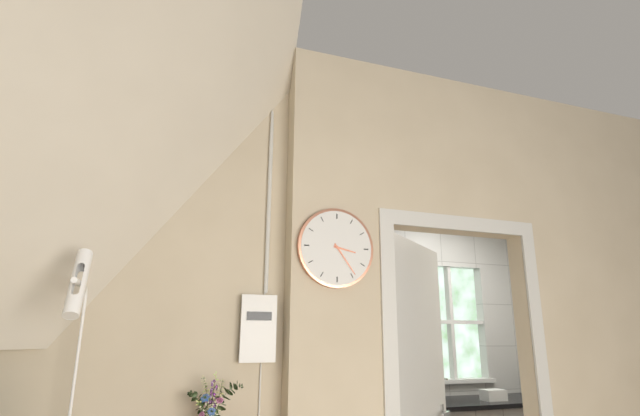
**3:24**
